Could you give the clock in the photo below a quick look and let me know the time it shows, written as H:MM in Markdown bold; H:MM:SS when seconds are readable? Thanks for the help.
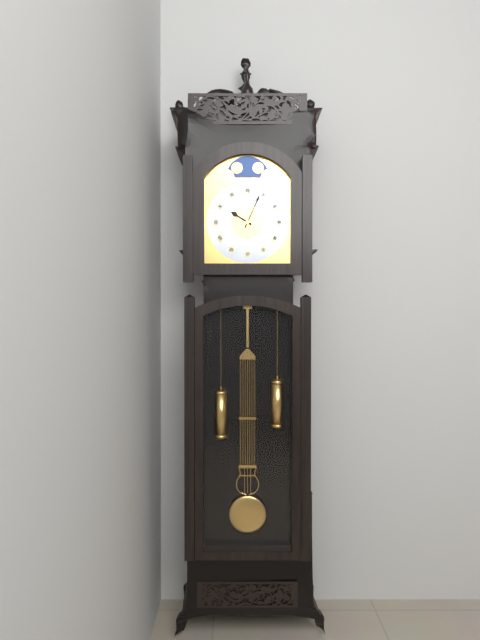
**10:04**
